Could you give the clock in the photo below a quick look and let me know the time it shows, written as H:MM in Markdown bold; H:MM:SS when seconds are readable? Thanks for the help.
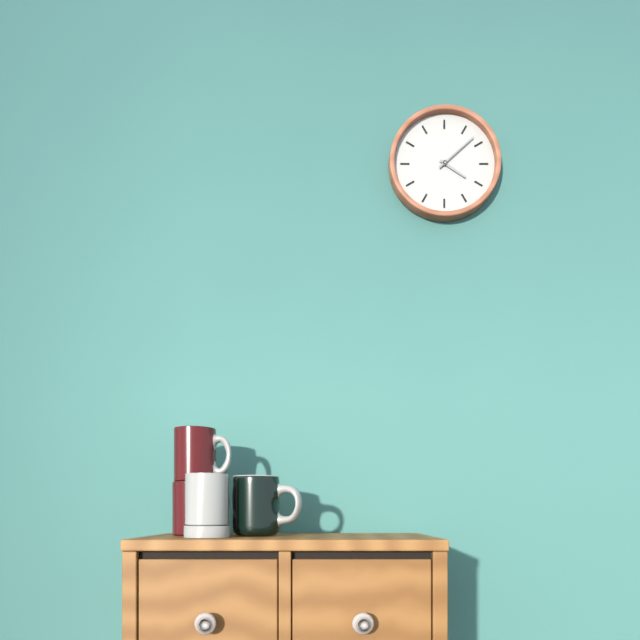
**4:08**
